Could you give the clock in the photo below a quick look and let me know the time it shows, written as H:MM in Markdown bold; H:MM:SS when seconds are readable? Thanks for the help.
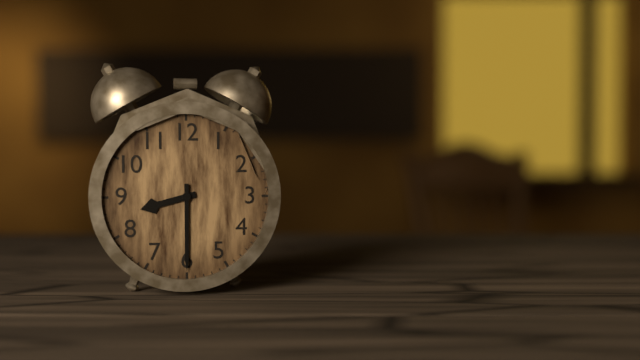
**8:30**
